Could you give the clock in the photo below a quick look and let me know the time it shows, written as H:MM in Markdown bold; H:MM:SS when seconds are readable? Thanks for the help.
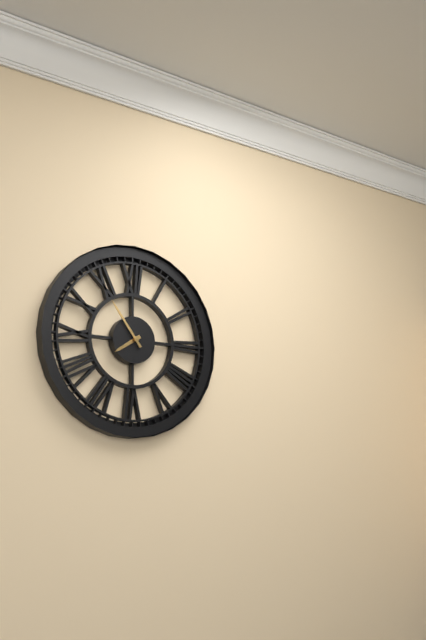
**7:54**
